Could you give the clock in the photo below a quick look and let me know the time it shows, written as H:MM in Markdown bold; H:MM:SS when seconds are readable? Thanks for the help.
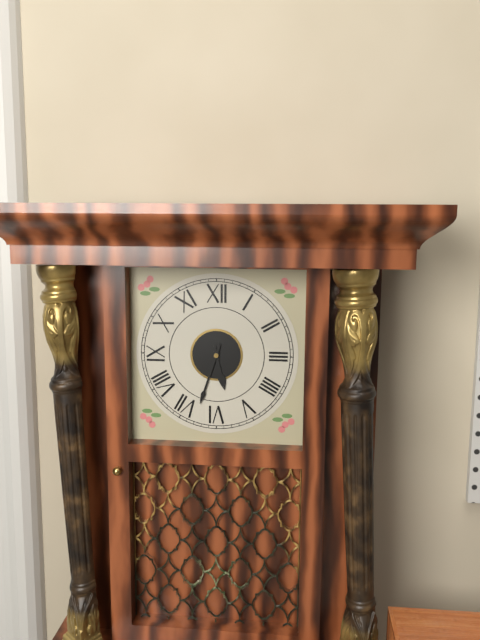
**5:33**
